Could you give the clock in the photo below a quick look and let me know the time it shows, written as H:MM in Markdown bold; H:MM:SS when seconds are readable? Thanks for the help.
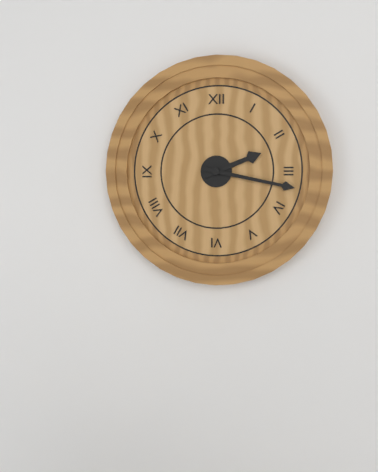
**2:17**
